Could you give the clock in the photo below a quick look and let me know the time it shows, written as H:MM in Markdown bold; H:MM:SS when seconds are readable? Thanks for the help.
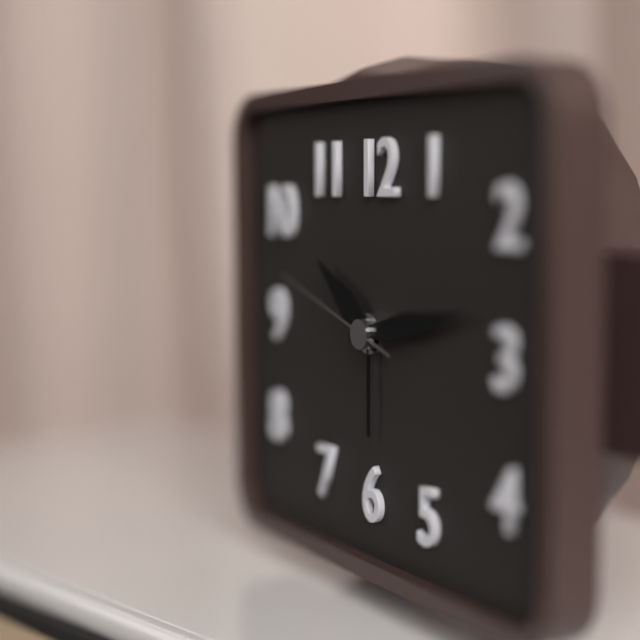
**10:13:48**
